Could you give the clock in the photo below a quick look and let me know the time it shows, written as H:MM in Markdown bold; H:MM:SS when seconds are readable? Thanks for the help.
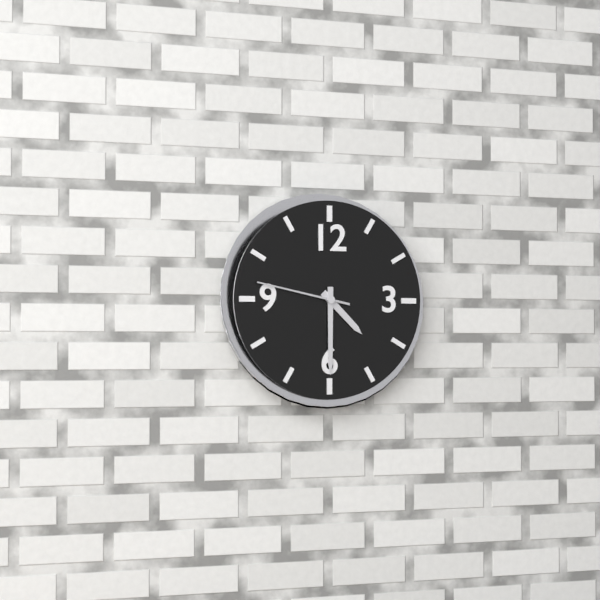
**4:30:47**
